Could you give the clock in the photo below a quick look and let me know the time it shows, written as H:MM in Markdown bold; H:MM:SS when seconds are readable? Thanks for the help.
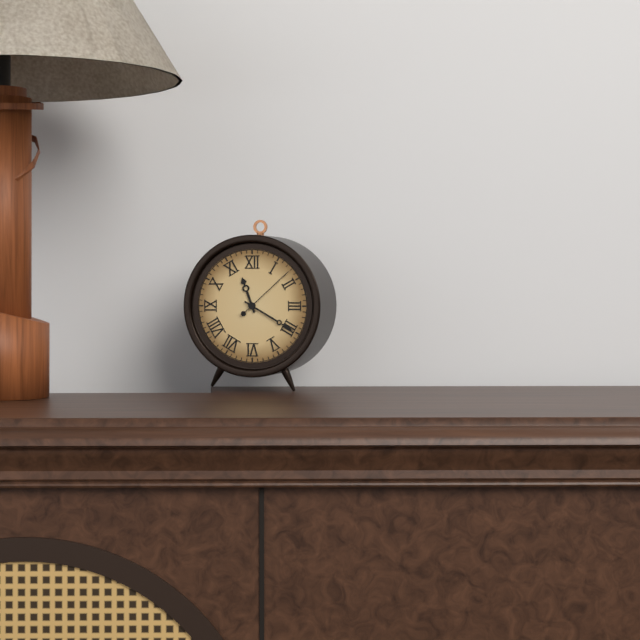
**11:20:08**
